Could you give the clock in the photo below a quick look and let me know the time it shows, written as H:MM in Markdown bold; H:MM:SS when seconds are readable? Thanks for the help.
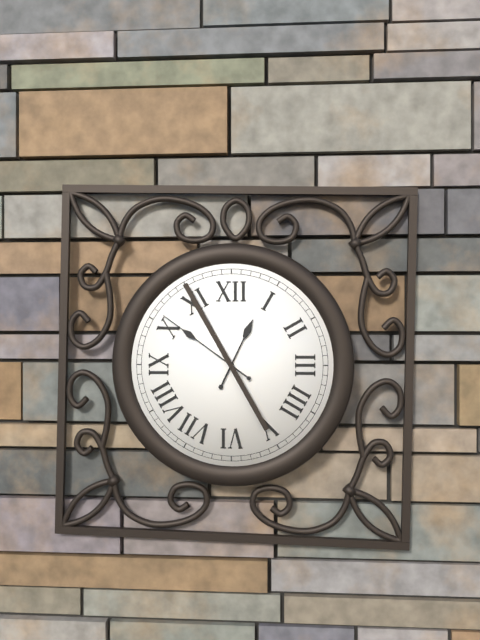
**12:51**
